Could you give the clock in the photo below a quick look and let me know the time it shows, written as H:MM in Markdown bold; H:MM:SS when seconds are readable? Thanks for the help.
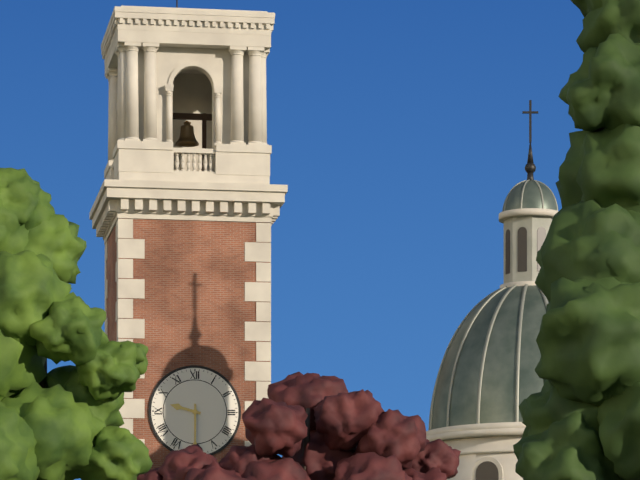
**9:30**
